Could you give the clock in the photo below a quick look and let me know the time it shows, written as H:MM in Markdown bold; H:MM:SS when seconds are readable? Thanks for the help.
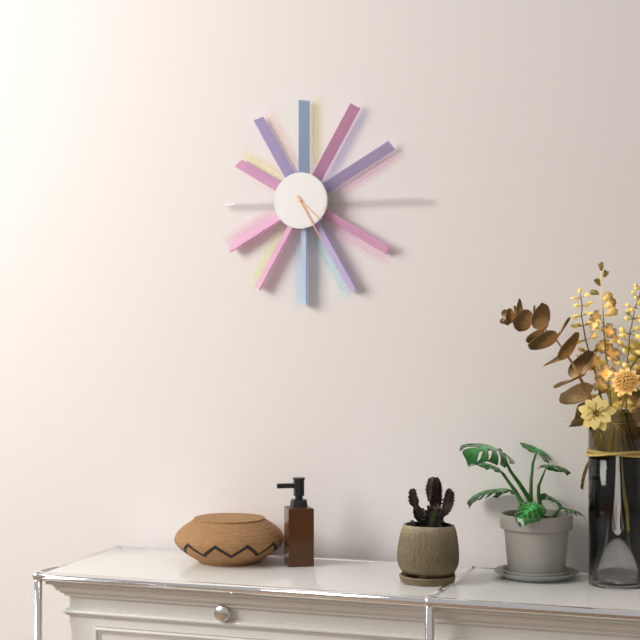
**4:25**
